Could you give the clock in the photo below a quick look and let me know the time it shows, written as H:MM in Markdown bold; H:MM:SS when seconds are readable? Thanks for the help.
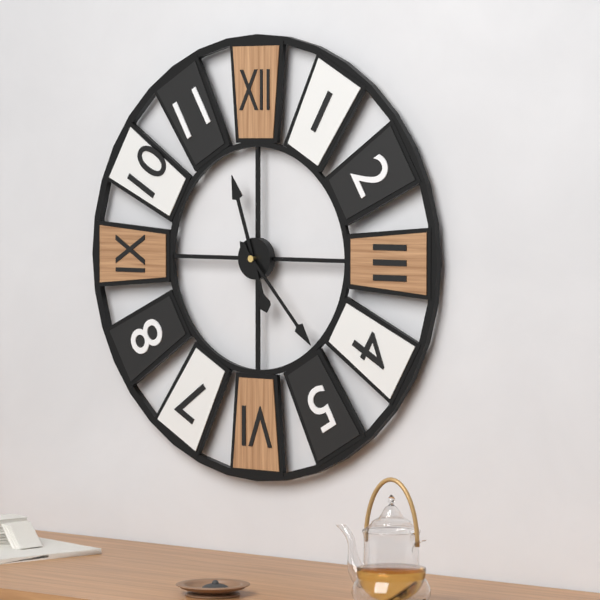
**11:23**
